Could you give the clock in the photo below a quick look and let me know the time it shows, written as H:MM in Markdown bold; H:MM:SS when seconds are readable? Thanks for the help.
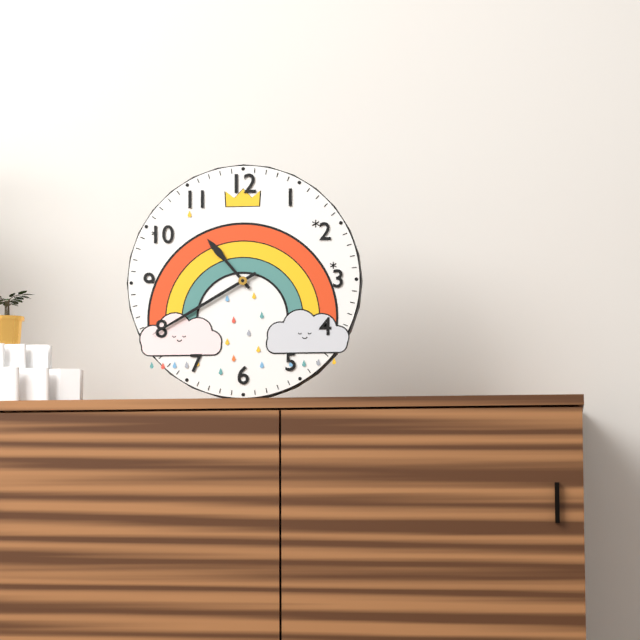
**10:40**
